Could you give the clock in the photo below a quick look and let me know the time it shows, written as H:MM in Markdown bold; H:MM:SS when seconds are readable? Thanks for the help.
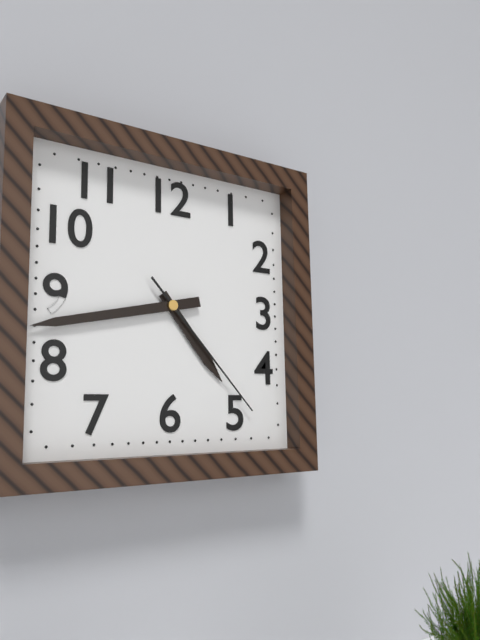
**4:43:23**
